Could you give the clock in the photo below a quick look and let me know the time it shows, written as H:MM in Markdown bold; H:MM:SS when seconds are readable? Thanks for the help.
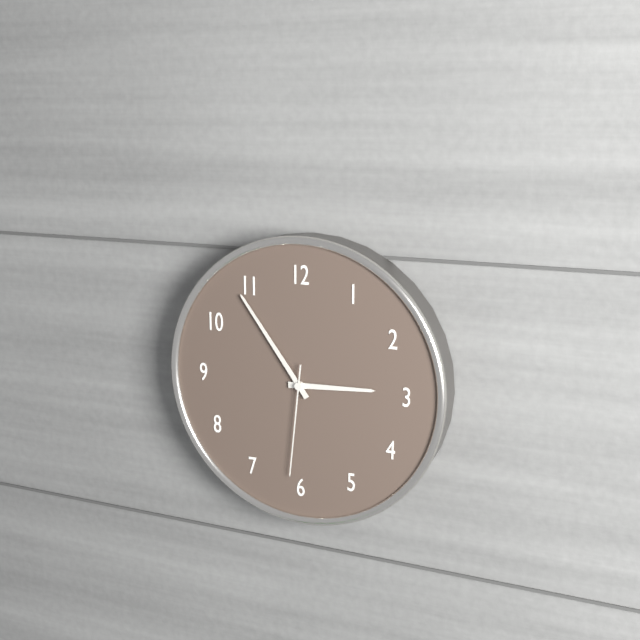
**2:54:31**
